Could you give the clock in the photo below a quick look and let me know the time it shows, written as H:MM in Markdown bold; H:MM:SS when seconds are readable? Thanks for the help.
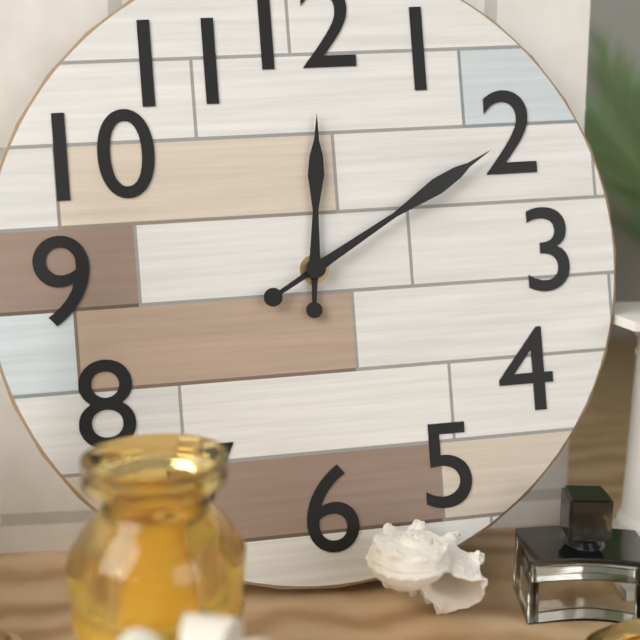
**12:10**
